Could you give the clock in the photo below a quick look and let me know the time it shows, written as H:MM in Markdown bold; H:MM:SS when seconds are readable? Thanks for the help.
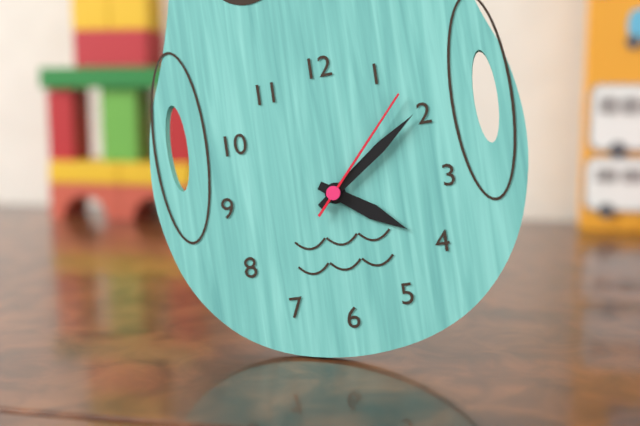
**4:09:07**
